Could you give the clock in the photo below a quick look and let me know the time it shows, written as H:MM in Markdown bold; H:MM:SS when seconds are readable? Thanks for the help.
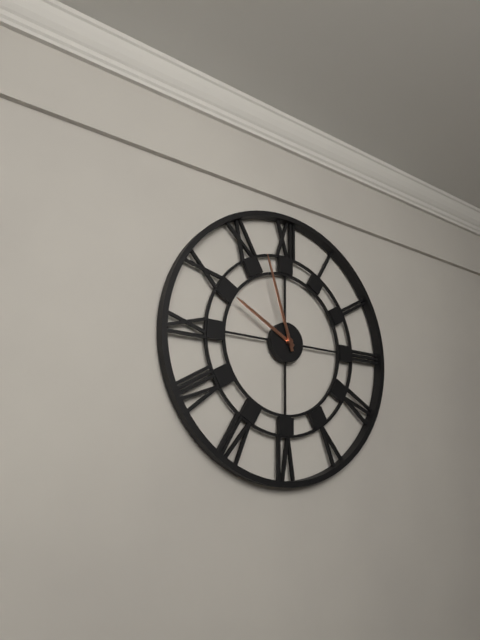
**9:57**
